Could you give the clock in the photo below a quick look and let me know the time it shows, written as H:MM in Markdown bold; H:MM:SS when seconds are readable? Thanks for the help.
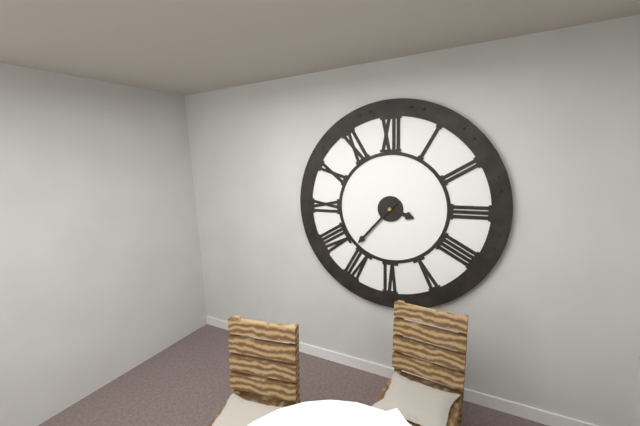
**3:37**
